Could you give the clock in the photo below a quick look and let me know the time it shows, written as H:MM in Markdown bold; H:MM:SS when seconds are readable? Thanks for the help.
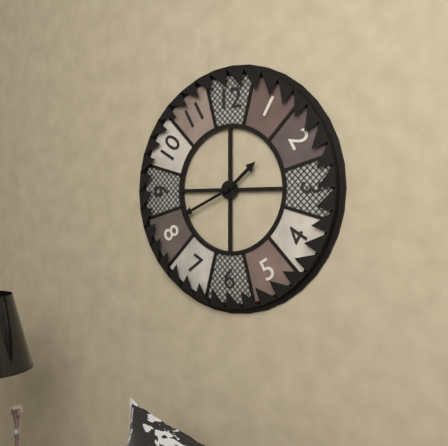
**1:41**
